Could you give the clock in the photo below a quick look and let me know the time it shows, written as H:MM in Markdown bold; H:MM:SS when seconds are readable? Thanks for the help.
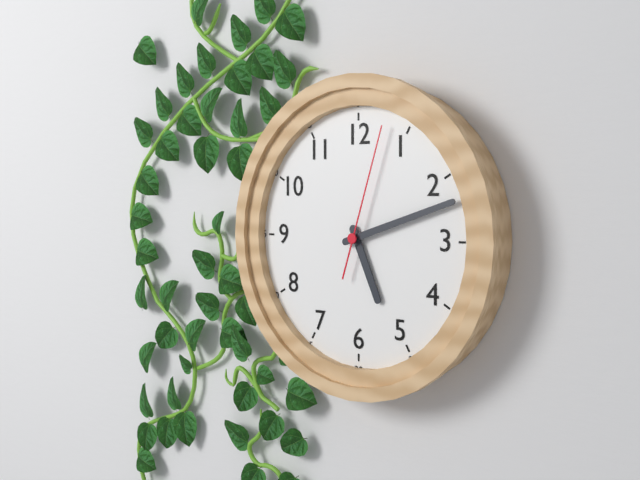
**5:12:03**
